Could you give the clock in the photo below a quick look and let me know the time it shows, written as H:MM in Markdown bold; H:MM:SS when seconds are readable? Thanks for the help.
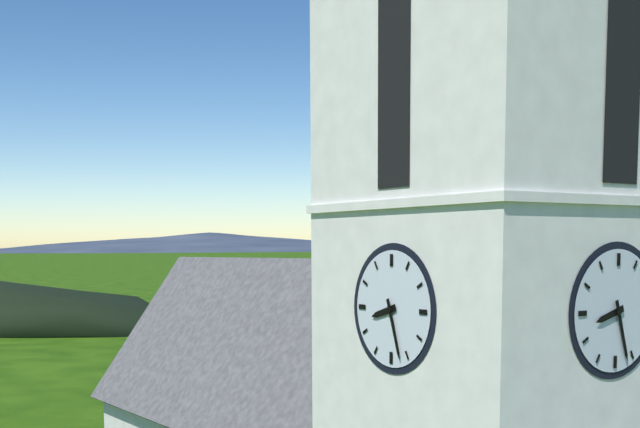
**8:27**
